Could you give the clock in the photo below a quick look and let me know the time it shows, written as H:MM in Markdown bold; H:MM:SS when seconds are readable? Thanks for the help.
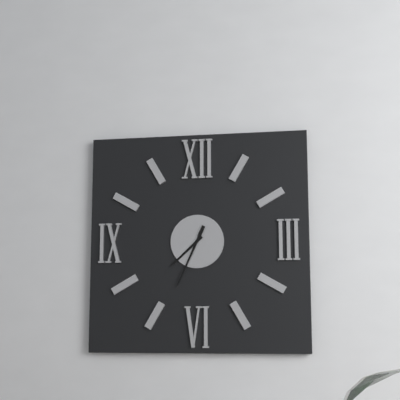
**7:34**
